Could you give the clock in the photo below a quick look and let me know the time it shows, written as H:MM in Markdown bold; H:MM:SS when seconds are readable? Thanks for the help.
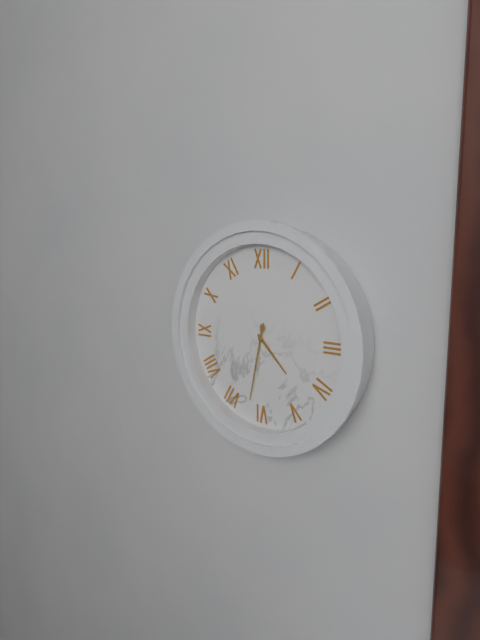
**4:32**
